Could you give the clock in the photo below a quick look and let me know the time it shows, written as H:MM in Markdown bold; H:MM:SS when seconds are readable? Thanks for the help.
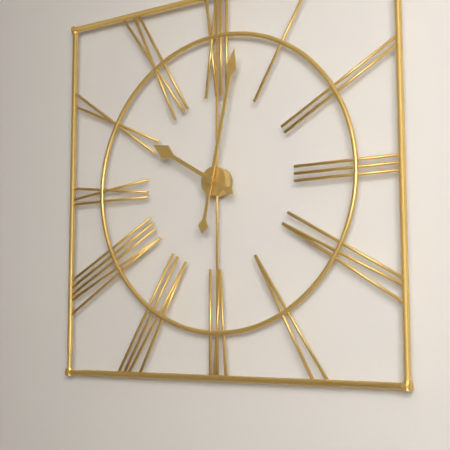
**10:02**
